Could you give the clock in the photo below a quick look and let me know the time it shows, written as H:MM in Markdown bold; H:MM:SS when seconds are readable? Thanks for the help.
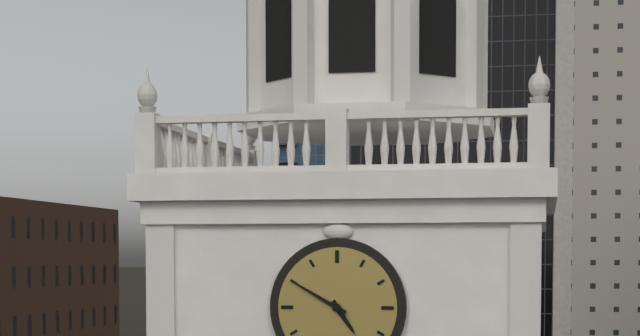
**4:50**
